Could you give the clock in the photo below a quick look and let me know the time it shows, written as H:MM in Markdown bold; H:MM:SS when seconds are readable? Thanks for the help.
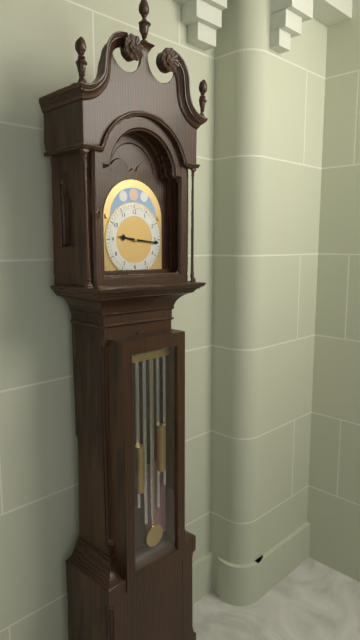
**9:16**
